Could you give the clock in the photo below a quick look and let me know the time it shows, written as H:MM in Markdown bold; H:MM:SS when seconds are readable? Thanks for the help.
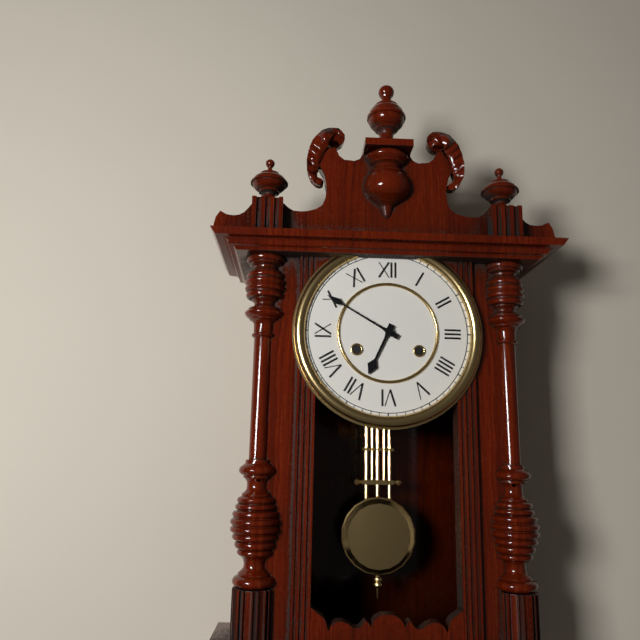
**6:50**
